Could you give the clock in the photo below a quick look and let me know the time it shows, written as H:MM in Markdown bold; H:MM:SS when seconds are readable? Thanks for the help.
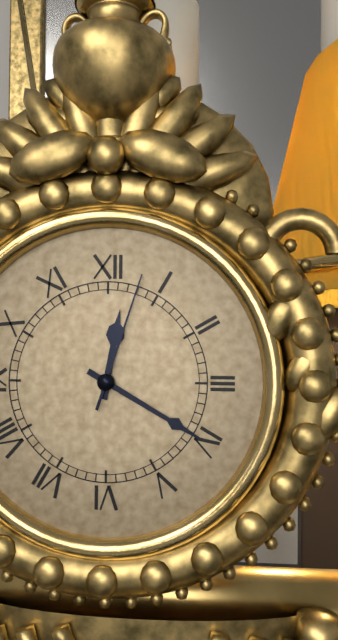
**12:20:03**
